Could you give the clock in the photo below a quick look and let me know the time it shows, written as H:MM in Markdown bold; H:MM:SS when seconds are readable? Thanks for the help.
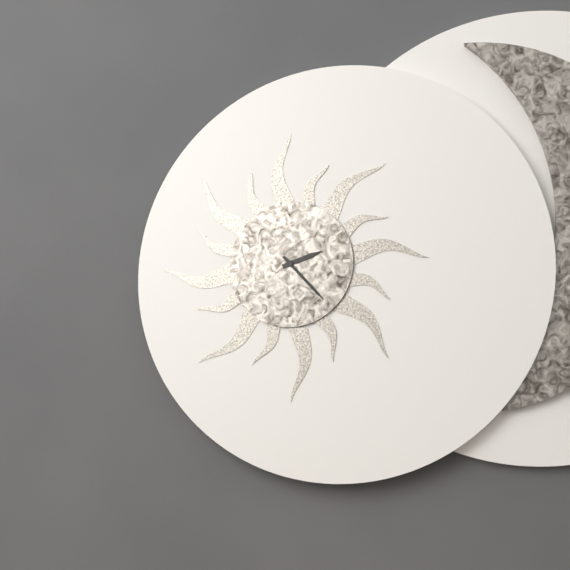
**2:23**
